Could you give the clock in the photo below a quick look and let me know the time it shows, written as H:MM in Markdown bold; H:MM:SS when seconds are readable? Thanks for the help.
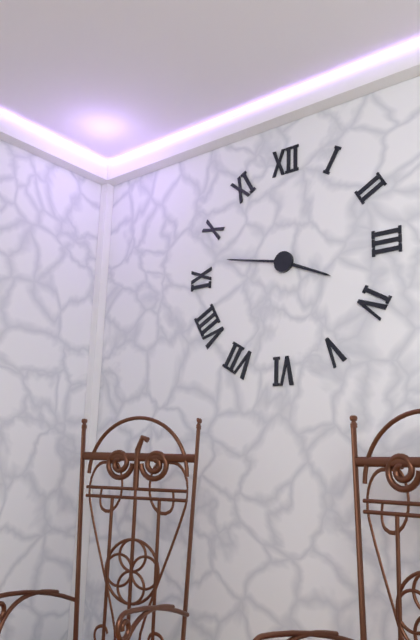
**3:47**
